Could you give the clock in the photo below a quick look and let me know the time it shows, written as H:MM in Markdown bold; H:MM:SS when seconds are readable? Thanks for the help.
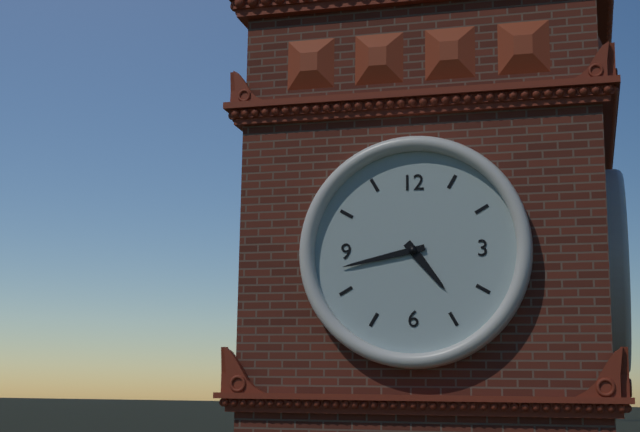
**4:43**
